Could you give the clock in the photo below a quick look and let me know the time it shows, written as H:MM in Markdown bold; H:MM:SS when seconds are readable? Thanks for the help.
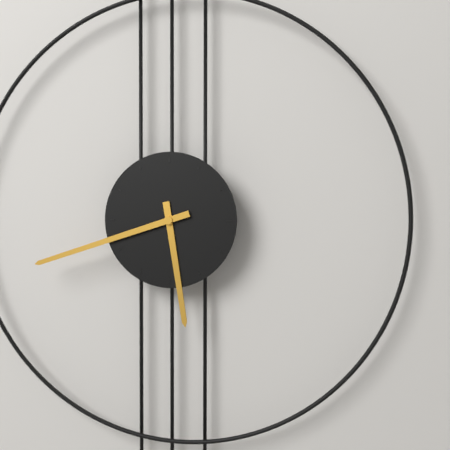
**5:42**
